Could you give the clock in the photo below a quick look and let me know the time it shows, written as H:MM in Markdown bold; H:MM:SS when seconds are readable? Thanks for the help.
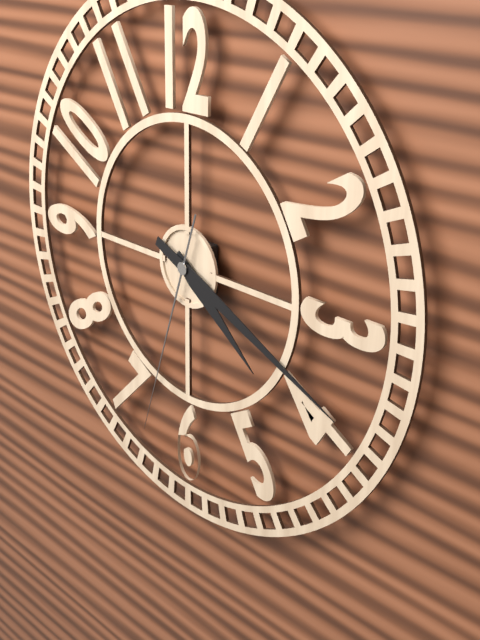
**4:19:33**
